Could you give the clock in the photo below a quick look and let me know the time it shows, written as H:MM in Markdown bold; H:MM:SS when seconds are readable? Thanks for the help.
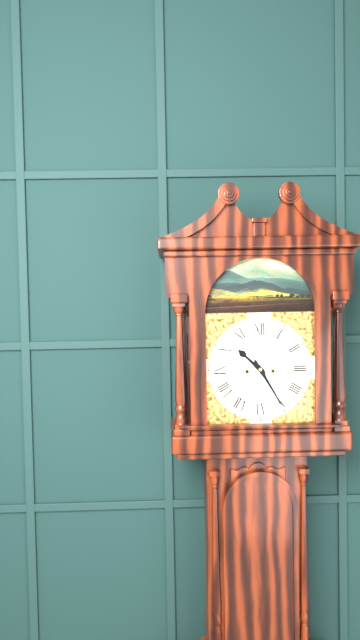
**10:25**
